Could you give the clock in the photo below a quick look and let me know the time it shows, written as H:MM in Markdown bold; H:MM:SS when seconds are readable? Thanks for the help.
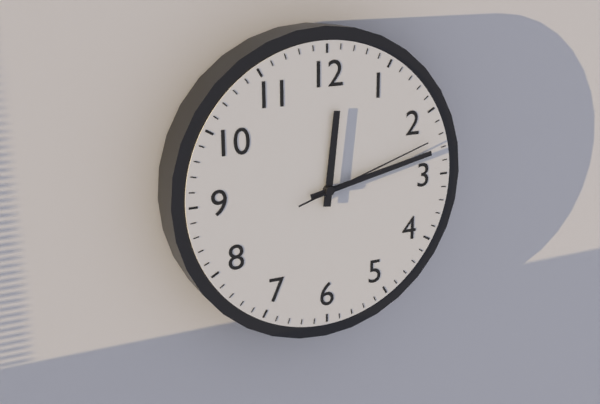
**12:13:12**
